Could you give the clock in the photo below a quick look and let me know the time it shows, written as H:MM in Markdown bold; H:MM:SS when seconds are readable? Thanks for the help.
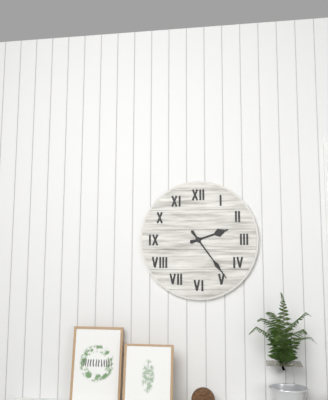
**2:24**
